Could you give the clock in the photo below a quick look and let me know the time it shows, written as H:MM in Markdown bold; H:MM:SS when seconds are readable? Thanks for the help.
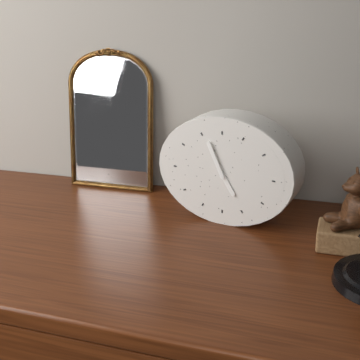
**4:56**
